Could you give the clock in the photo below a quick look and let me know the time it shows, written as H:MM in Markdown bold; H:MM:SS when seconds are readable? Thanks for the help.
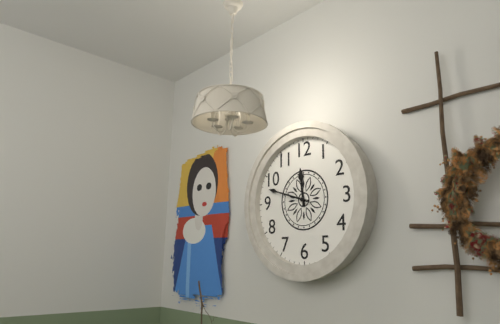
**11:48**
